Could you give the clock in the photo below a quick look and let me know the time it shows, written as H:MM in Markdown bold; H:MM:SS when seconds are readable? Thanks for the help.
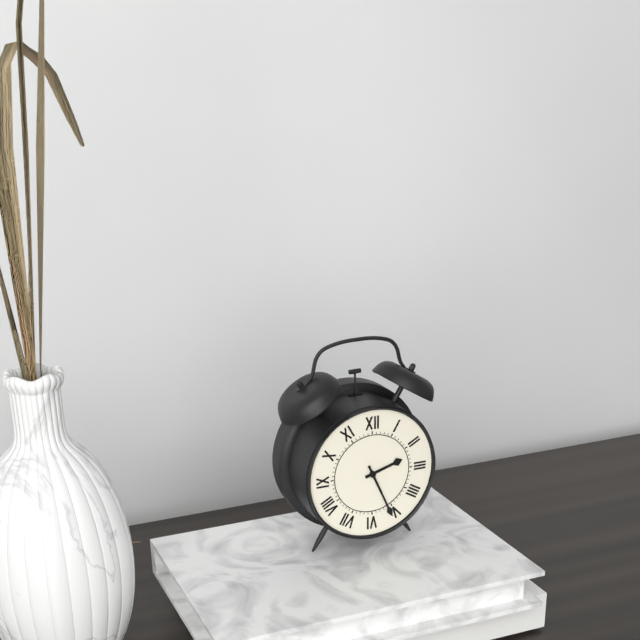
**2:26**
